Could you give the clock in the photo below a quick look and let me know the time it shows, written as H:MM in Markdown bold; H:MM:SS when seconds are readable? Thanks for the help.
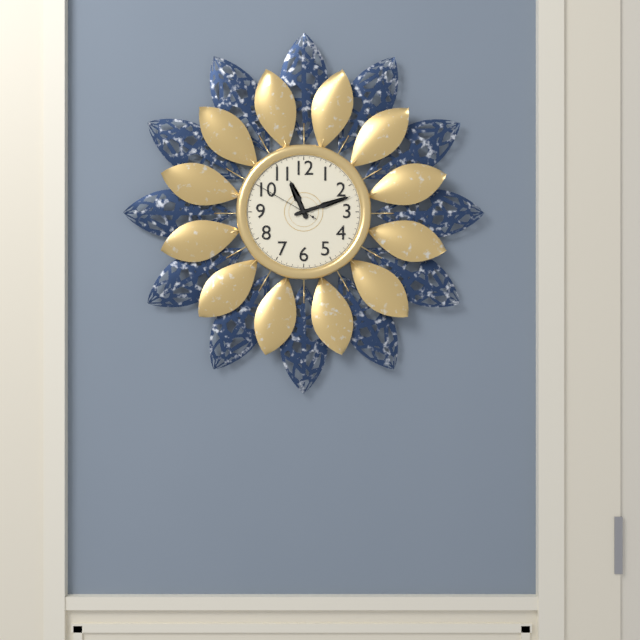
**11:12:50**
